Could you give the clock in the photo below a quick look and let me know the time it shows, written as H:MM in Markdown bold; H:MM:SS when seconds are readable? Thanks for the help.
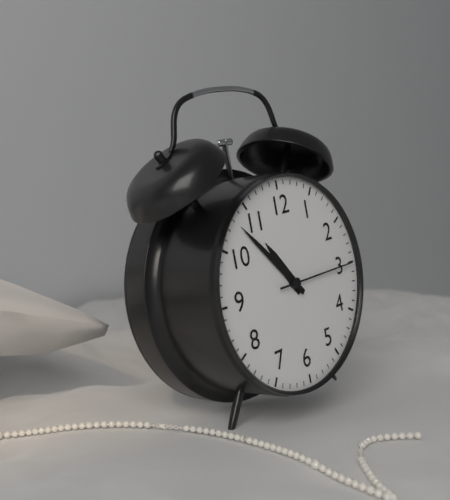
**10:53:15**
